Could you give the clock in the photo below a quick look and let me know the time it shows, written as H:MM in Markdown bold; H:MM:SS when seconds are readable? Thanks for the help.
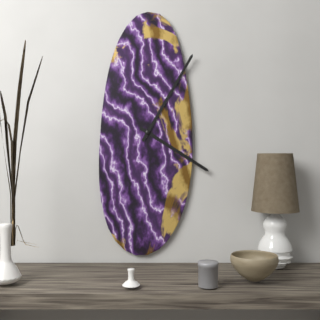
**4:05**
